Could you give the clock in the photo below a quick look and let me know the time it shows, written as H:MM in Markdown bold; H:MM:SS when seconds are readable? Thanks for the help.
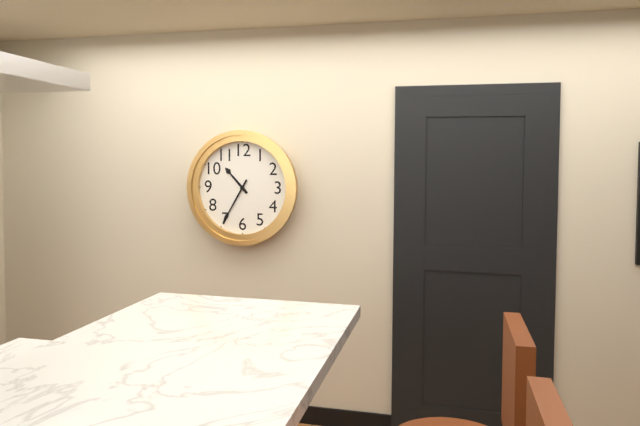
**10:35**
